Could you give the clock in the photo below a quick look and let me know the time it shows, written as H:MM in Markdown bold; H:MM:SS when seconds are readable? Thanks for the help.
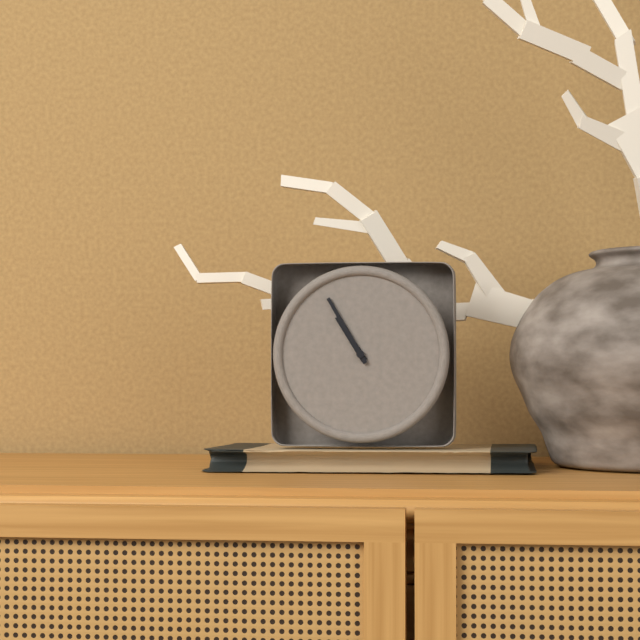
**10:55**
